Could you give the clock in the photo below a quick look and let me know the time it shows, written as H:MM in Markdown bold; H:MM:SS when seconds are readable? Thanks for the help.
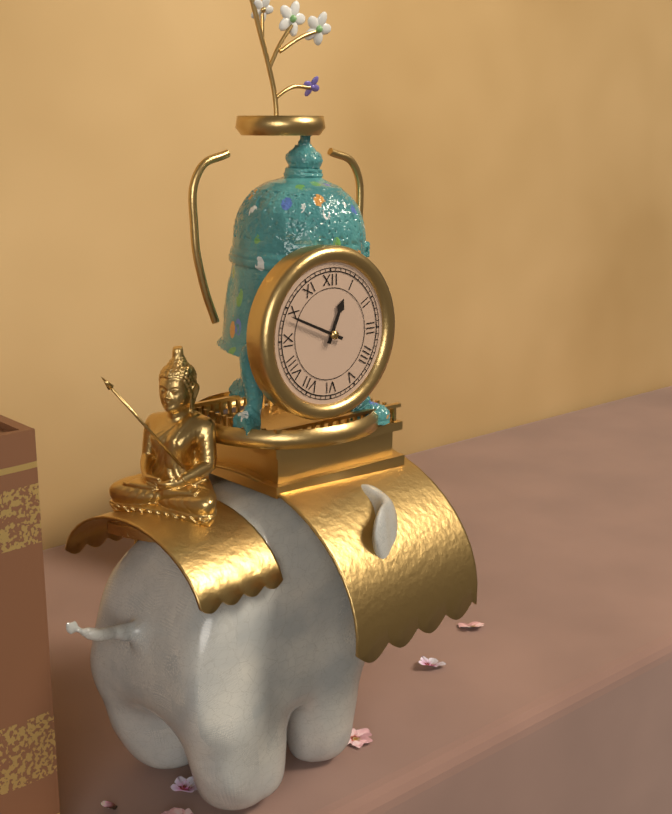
**12:49**
